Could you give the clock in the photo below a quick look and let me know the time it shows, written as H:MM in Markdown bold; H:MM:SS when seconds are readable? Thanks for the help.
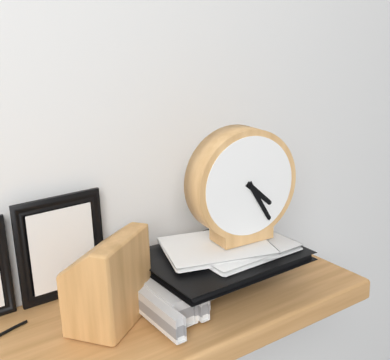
**4:25**
